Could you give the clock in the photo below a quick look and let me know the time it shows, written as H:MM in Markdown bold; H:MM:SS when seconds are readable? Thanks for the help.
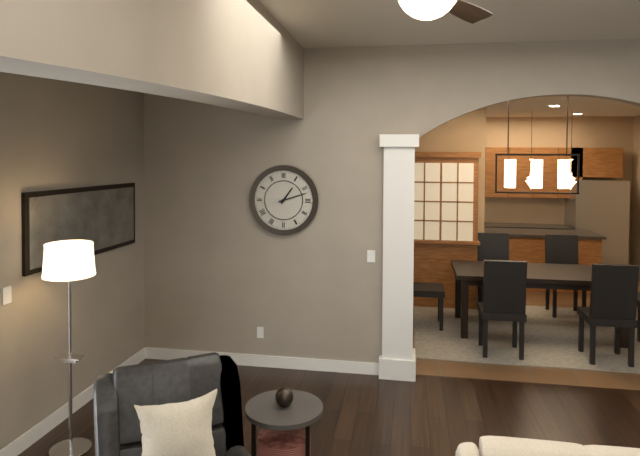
**1:12**
